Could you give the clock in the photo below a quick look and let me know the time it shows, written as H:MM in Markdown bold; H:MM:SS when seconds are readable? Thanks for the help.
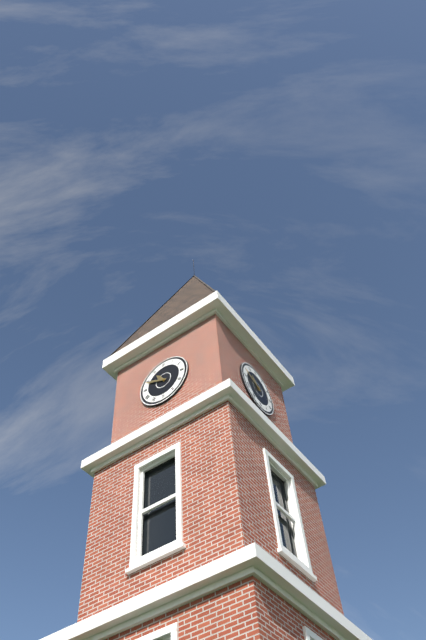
**10:49**
